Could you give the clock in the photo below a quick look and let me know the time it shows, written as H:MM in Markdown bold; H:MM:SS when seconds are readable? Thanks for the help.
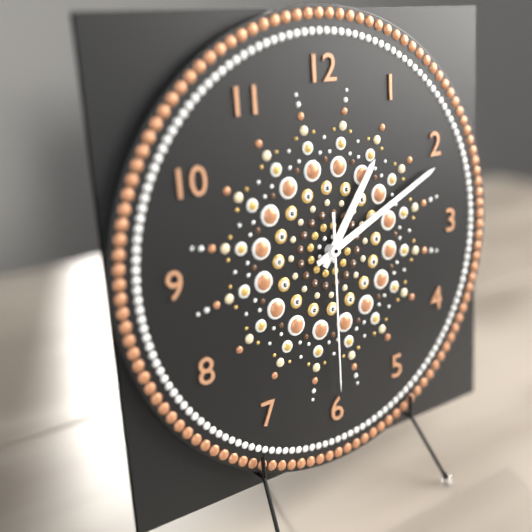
**1:11:30**
